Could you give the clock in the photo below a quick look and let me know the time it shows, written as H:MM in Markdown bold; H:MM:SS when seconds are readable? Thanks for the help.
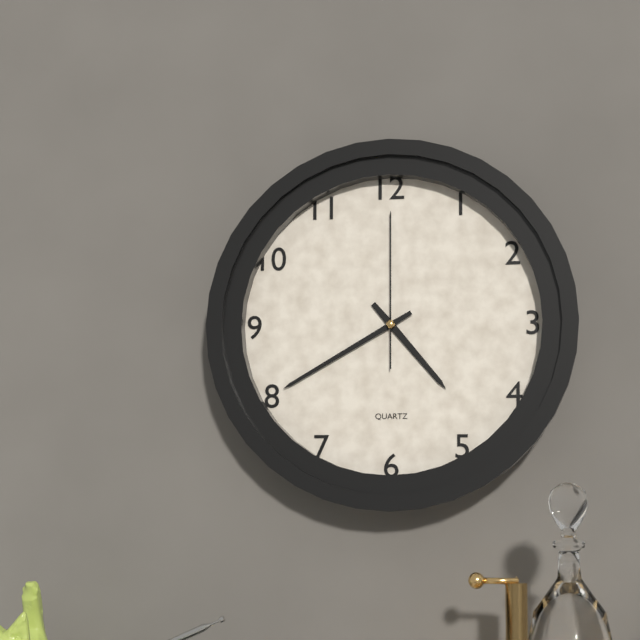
**4:40:00**
